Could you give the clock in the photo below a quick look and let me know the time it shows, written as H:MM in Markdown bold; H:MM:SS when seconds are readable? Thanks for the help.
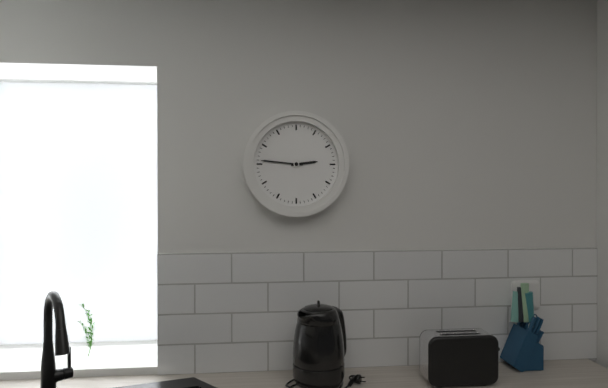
**2:46**
